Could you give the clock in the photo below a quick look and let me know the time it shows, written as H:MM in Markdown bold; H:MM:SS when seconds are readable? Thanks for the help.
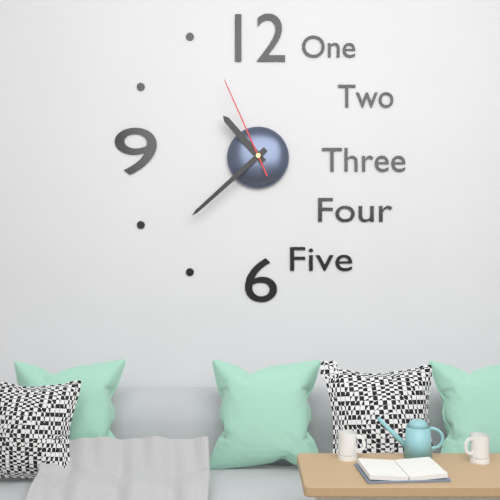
**10:38:56**
